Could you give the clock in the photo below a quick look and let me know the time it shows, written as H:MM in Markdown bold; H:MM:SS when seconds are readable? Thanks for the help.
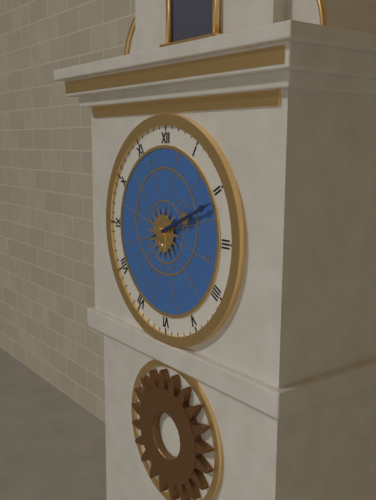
**2:11**
